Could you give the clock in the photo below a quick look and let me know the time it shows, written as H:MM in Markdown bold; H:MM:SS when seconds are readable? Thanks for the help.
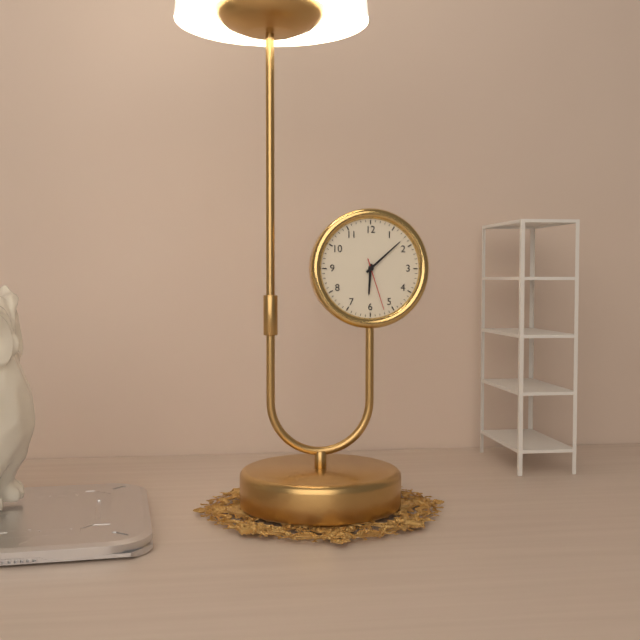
**6:08:27**
